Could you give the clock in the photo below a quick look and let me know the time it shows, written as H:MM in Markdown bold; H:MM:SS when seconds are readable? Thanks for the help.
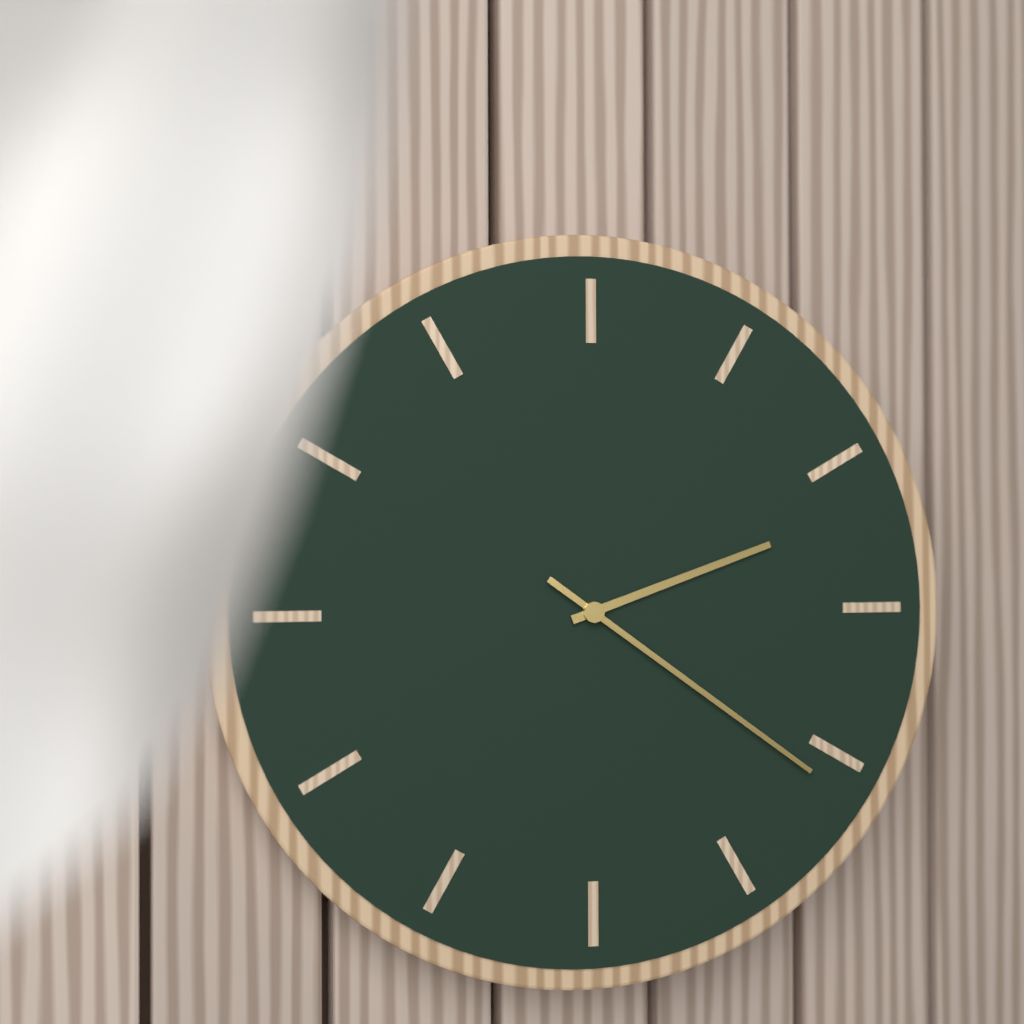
**2:21**
